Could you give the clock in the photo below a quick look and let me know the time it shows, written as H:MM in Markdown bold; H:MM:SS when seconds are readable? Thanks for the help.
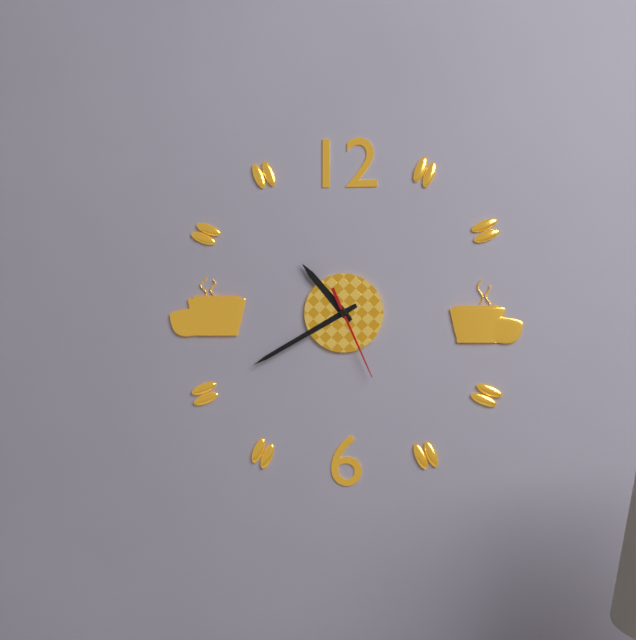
**10:40:26**
